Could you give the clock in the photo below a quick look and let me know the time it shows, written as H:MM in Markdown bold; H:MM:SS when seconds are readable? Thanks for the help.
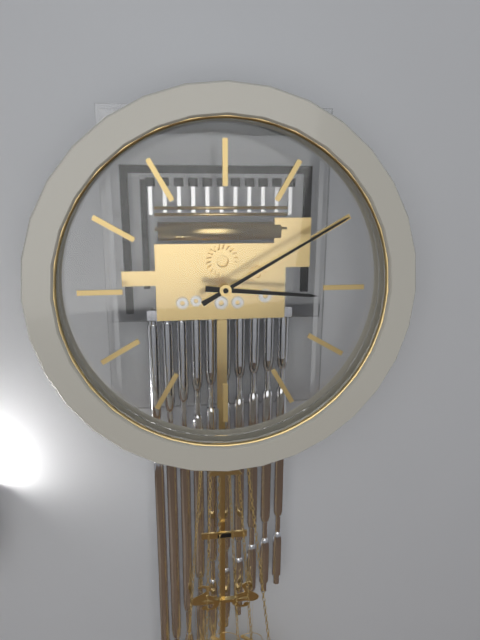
**3:10**
